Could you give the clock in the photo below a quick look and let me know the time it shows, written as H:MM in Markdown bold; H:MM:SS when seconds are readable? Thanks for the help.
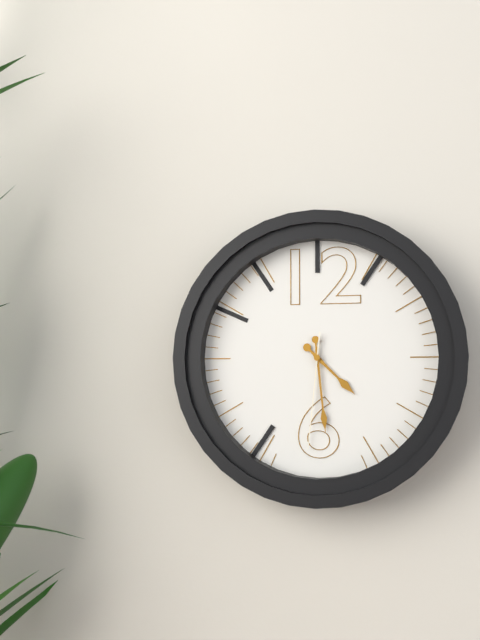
**4:29:31**
